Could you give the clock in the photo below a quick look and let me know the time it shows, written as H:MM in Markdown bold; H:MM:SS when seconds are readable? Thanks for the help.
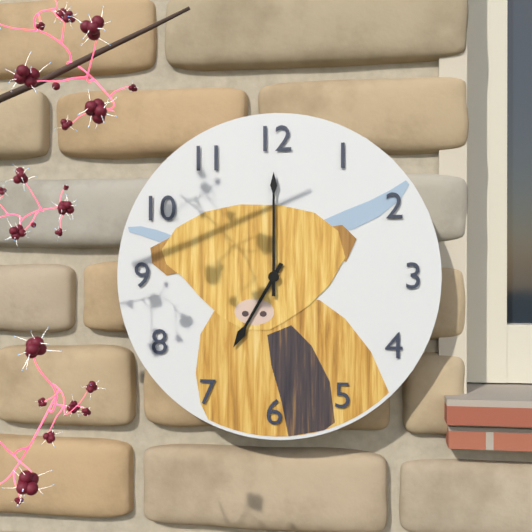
**7:00**
